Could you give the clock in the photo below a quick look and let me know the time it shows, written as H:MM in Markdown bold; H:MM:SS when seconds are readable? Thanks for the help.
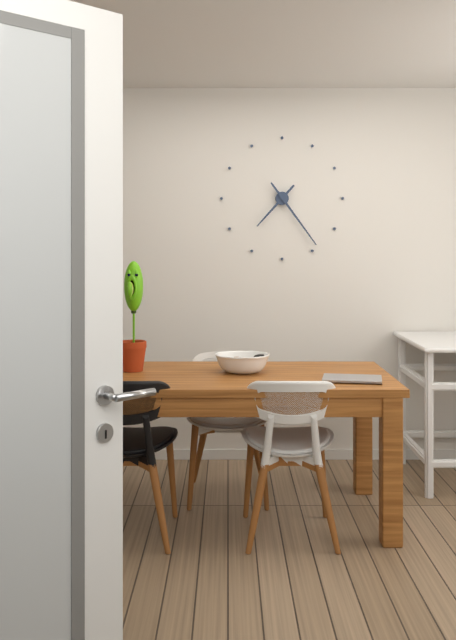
**7:24**
